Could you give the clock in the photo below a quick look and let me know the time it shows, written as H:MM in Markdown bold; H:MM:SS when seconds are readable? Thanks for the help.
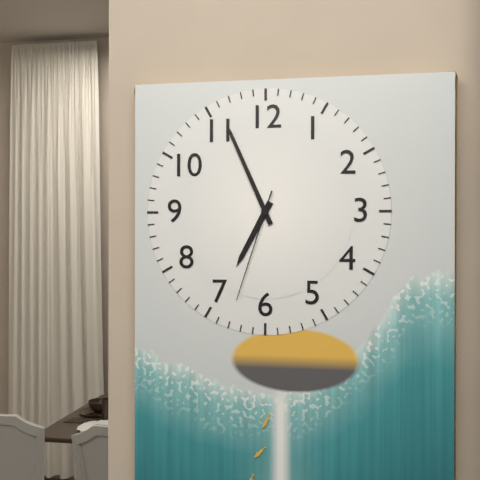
**6:56:33**
